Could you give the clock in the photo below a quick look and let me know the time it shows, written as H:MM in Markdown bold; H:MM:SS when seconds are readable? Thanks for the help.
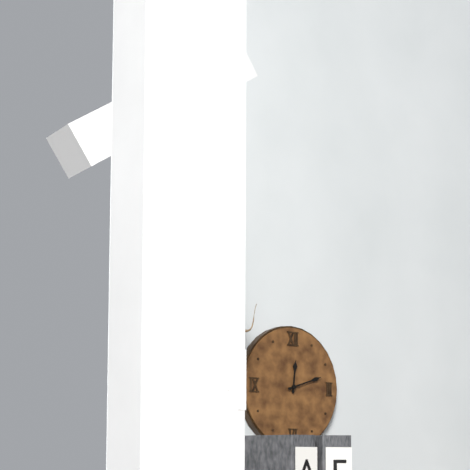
**12:12**
